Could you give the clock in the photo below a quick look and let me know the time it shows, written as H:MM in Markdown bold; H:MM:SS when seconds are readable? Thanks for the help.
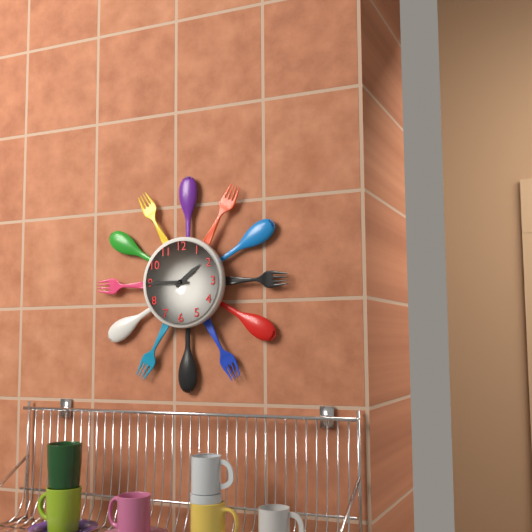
**1:45**
